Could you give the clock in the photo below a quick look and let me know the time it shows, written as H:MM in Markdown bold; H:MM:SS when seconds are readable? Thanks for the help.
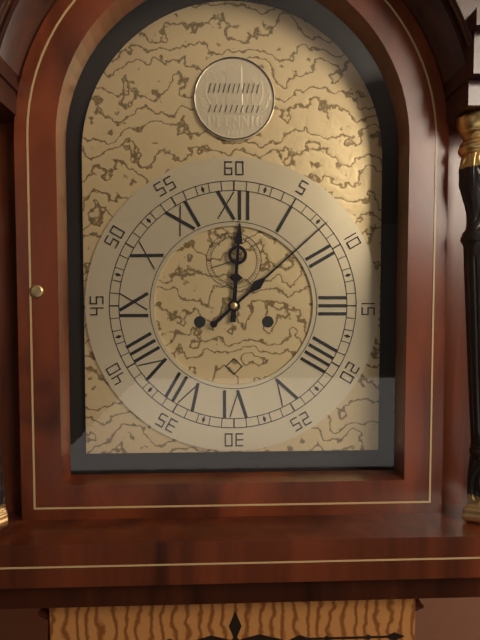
**12:08**
